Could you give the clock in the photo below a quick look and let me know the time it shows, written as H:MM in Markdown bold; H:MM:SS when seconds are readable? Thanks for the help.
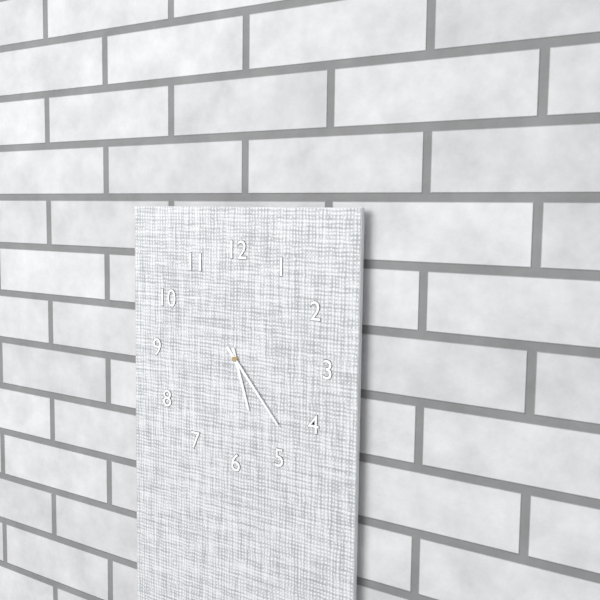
**5:23**
